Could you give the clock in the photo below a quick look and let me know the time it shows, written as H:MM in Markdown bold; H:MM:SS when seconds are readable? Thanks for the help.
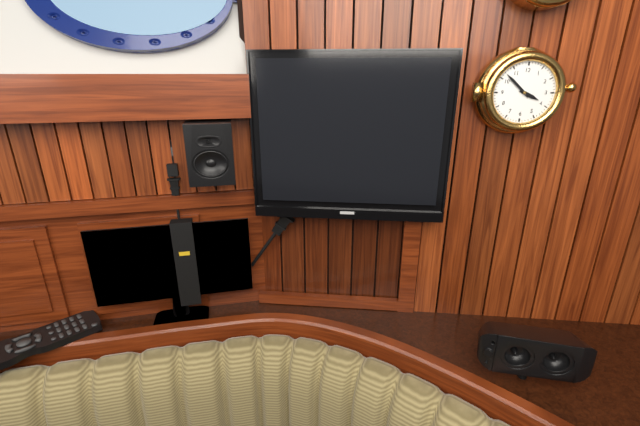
**3:52**
